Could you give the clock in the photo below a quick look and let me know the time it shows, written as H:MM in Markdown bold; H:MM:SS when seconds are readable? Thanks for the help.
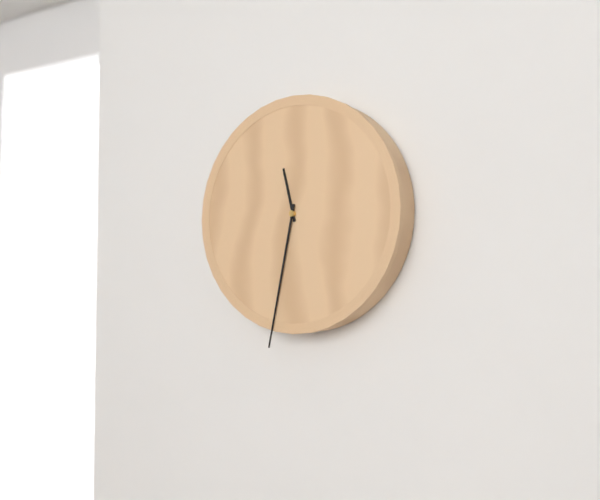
**11:32**
